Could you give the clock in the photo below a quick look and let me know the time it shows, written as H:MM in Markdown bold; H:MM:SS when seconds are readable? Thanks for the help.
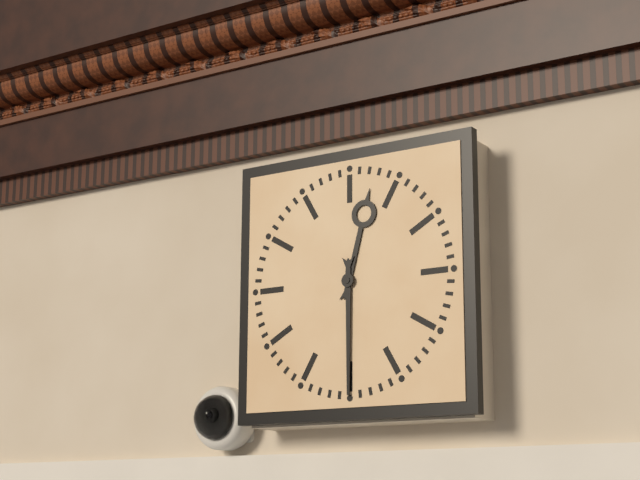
**12:30**
